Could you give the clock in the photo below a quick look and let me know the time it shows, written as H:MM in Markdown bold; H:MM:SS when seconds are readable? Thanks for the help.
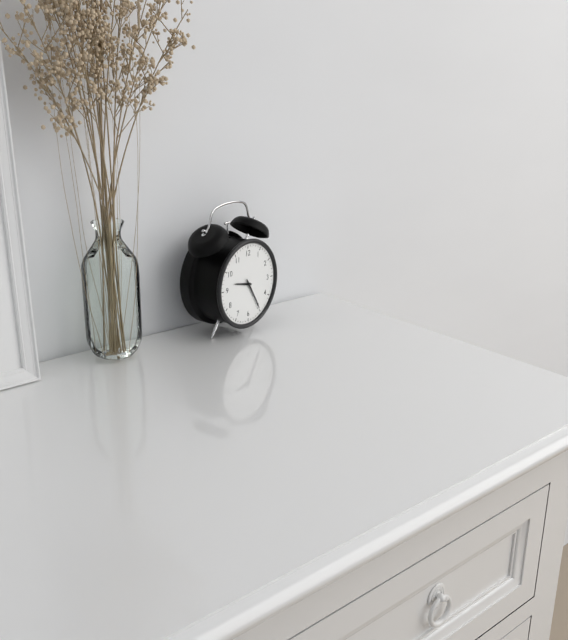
**9:25**
